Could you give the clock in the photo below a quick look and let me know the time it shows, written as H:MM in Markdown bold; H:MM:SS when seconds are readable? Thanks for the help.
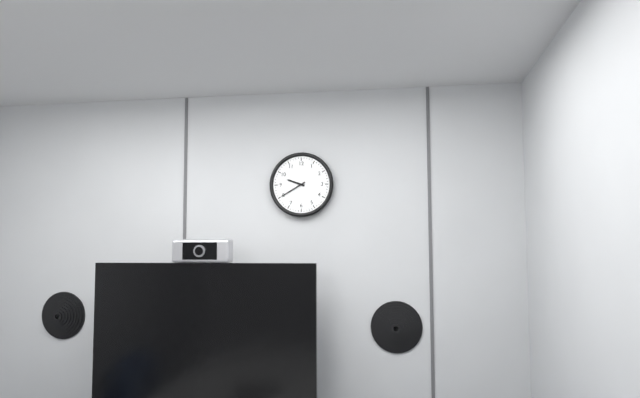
**9:40**
